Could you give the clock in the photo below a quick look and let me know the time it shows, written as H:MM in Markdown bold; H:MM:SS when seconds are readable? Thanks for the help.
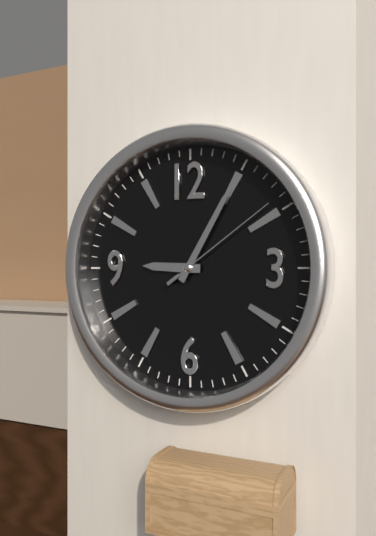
**9:05:09**
